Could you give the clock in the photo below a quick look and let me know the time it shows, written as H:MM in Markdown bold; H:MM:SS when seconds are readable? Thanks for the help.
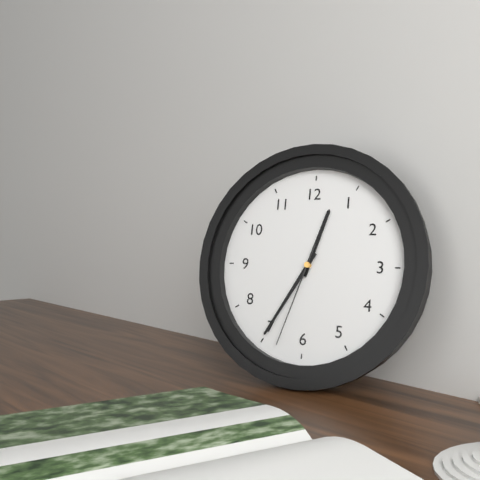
**12:35:33**
